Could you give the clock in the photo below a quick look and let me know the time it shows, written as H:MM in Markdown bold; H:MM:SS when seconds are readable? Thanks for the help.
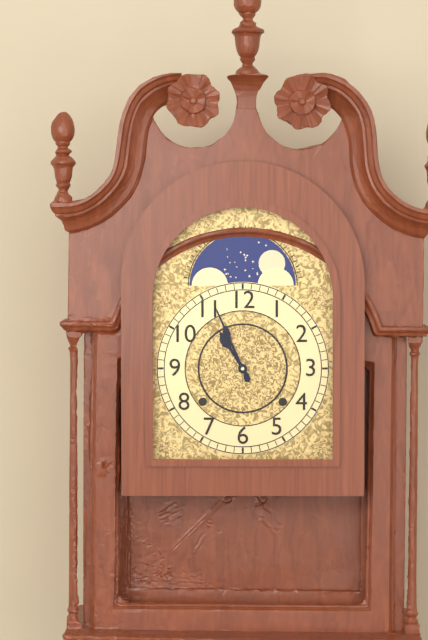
**10:56**
